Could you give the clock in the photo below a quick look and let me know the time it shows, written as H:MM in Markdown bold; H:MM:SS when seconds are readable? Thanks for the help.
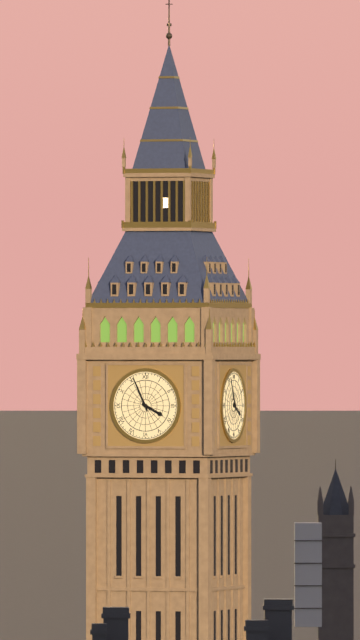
**3:56**
